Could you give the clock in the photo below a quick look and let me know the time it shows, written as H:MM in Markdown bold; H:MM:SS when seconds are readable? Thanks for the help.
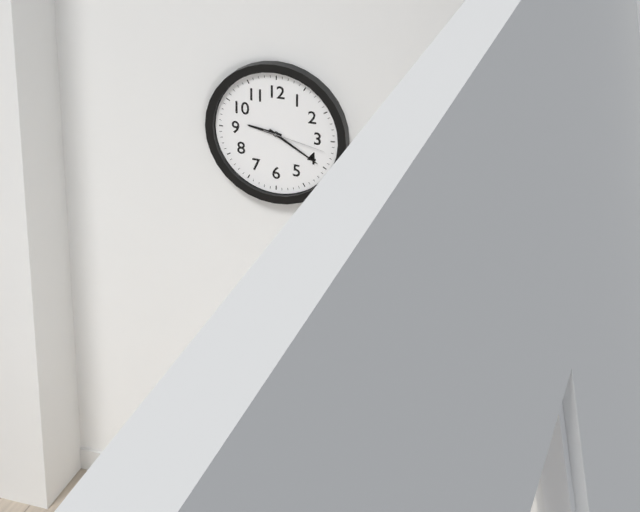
**9:20:17**
